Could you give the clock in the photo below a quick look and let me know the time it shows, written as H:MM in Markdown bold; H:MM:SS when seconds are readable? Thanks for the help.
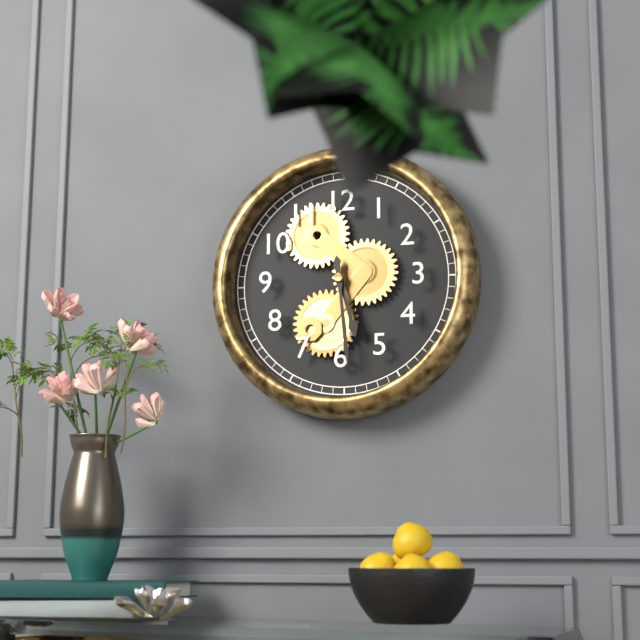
**5:29**
